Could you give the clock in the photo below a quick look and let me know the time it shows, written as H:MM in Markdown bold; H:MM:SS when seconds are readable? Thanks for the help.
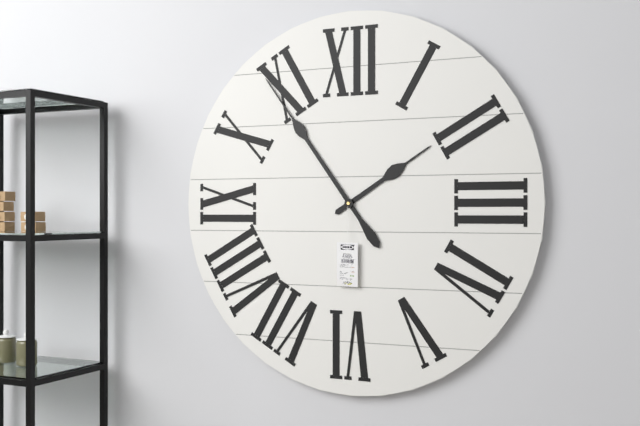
**1:54**
